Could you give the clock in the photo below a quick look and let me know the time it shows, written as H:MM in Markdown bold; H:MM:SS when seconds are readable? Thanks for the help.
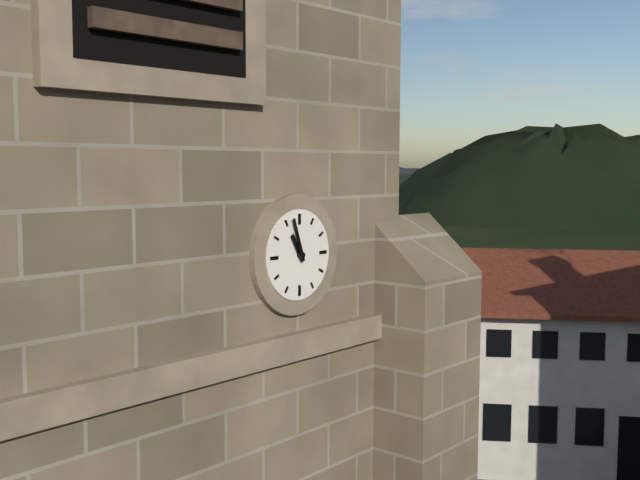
**10:57**
